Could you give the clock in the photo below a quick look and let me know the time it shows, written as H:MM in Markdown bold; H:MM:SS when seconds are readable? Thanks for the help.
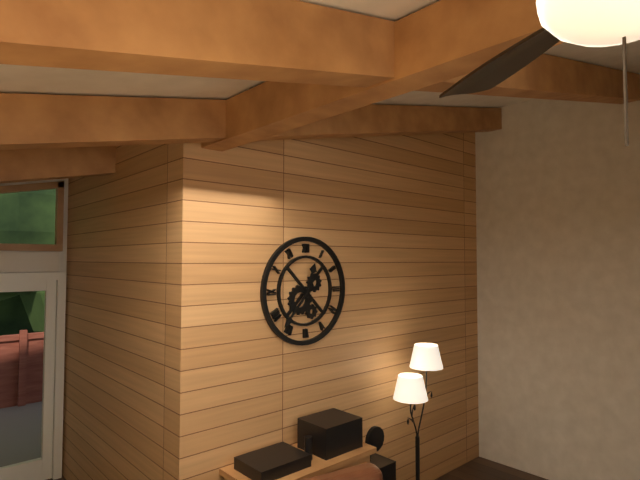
**12:37**
